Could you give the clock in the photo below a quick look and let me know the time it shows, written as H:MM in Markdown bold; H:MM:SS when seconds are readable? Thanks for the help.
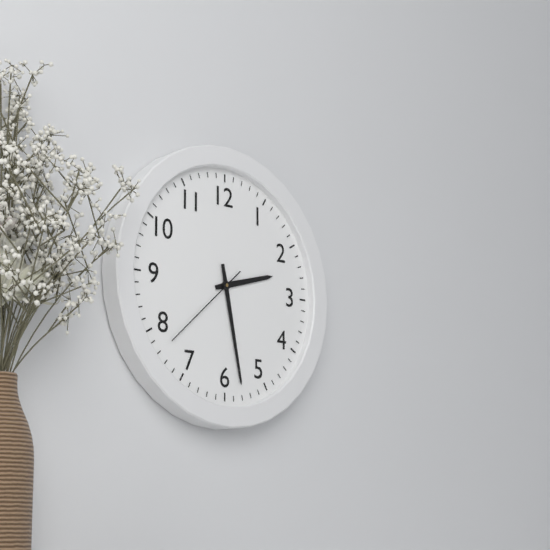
**2:28:38**
